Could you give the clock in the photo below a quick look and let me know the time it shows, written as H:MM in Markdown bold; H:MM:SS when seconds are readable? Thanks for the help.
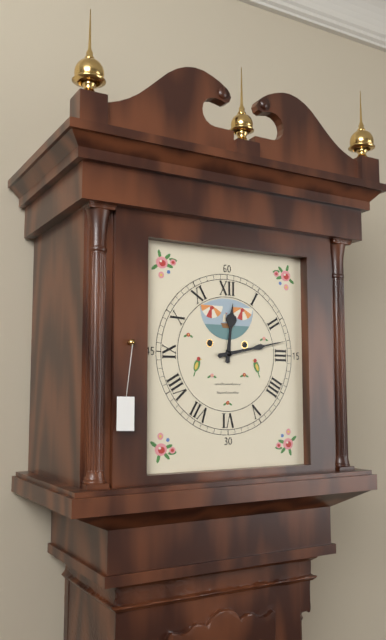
**12:13**
